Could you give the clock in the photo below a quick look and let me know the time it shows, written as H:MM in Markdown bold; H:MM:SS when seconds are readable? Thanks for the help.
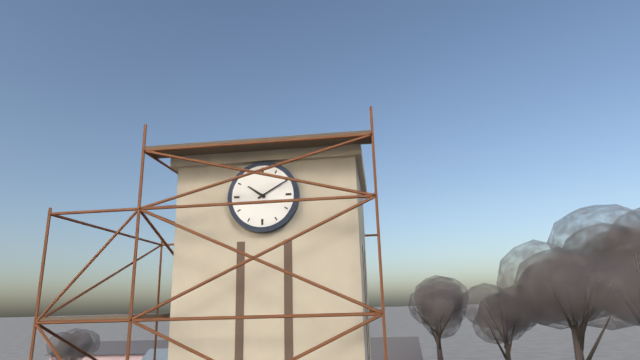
**10:10**
